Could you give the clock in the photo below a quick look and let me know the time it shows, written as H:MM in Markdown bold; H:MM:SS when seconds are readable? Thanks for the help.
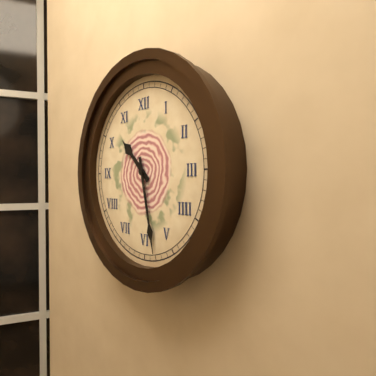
**10:28**
